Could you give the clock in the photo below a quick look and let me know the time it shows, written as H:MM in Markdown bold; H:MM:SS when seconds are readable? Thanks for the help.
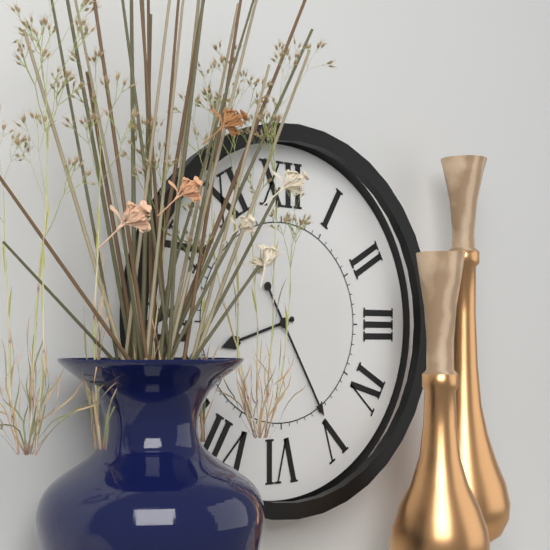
**8:25**
